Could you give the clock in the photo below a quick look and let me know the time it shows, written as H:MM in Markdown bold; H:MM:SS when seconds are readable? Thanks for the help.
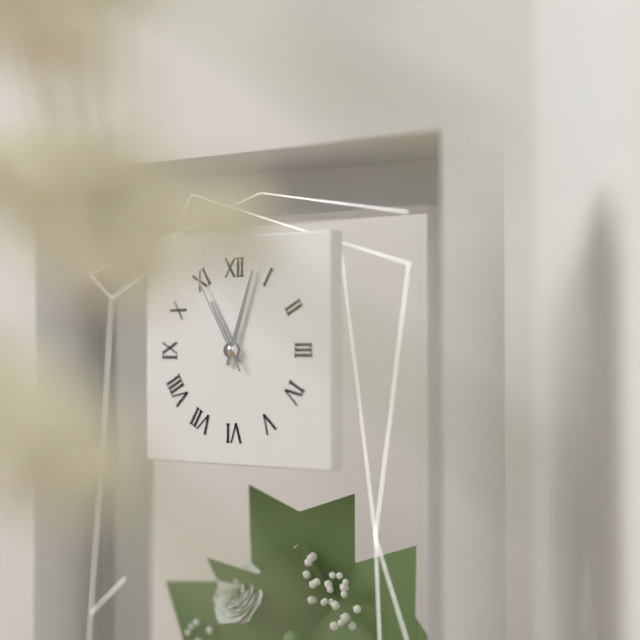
**11:03:55**
